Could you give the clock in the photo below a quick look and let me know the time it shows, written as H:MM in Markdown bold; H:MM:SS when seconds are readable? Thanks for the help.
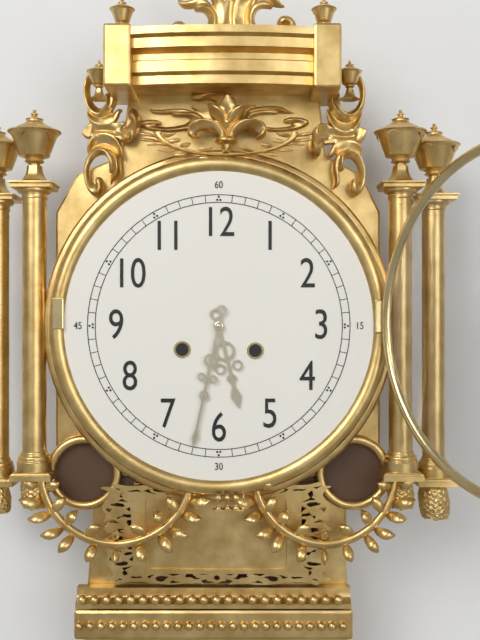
**5:32**
